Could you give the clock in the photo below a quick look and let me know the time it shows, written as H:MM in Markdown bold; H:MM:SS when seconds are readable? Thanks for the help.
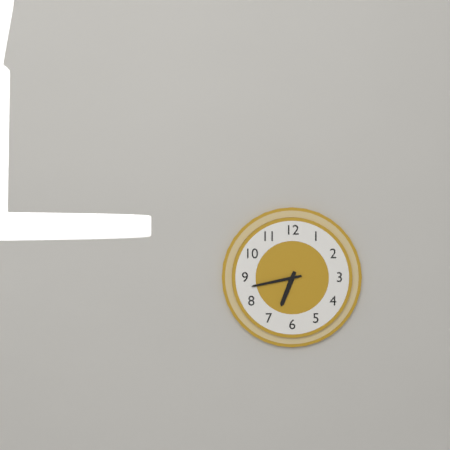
**6:43**
